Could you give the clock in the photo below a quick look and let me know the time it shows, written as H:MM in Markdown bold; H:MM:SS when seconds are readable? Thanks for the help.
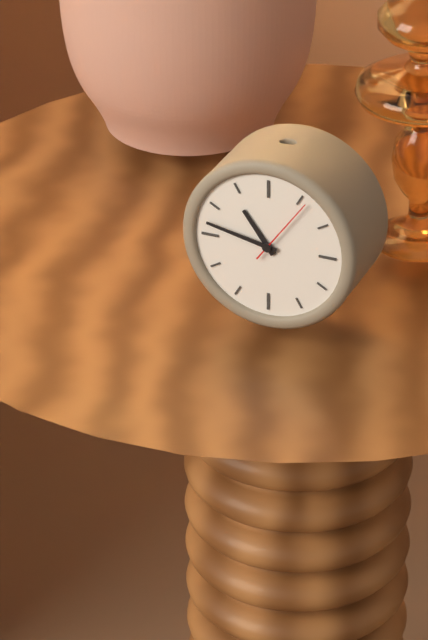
**10:47:06**
